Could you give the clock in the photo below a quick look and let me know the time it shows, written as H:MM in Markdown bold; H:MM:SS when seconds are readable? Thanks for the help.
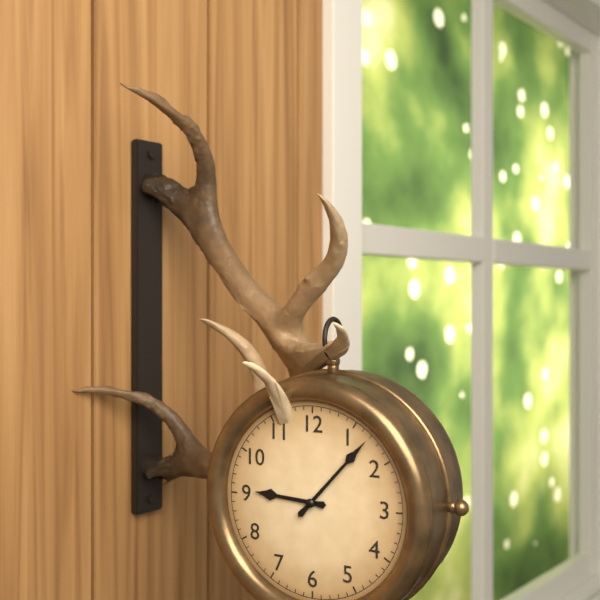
**9:07**
